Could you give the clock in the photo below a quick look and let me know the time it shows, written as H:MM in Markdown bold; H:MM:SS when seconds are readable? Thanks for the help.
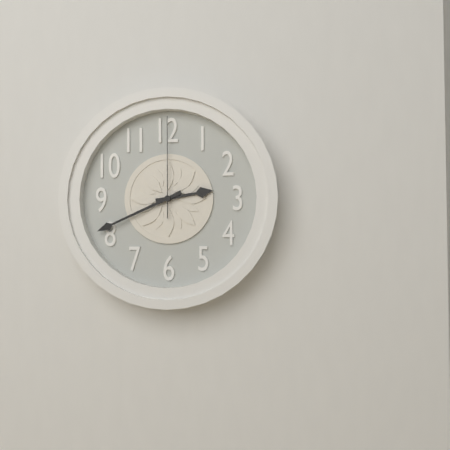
**2:41:00**
